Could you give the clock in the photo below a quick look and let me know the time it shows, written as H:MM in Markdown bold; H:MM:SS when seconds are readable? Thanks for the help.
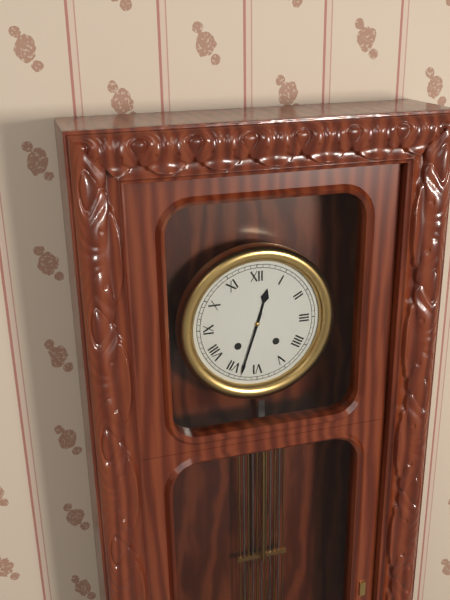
**12:33**
